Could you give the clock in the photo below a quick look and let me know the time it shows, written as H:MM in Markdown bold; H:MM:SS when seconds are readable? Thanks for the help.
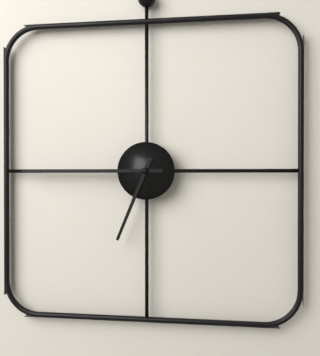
**6:45**
